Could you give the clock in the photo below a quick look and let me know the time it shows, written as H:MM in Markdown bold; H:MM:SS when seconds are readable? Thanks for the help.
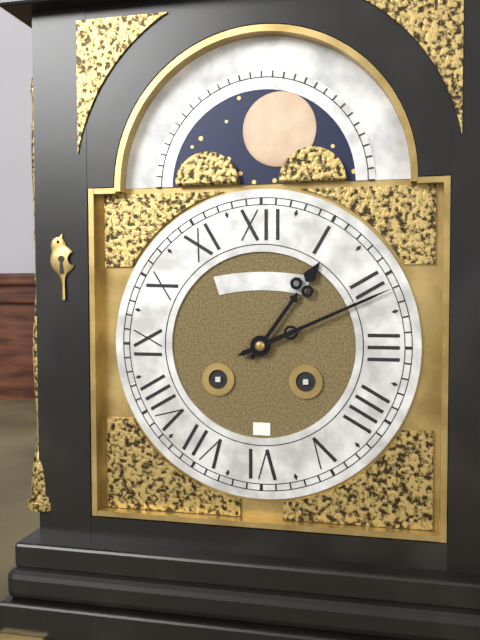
**1:11**
